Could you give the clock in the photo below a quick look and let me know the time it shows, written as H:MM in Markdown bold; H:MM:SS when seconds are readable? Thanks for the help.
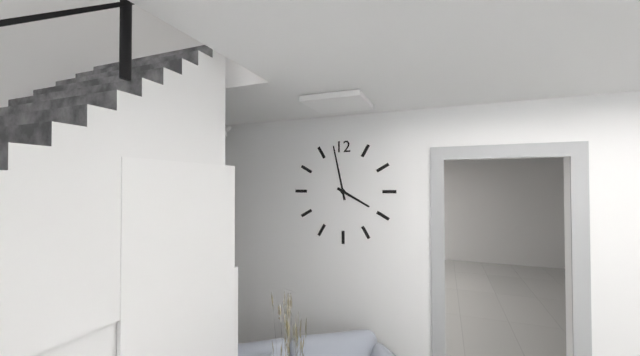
**3:58**
